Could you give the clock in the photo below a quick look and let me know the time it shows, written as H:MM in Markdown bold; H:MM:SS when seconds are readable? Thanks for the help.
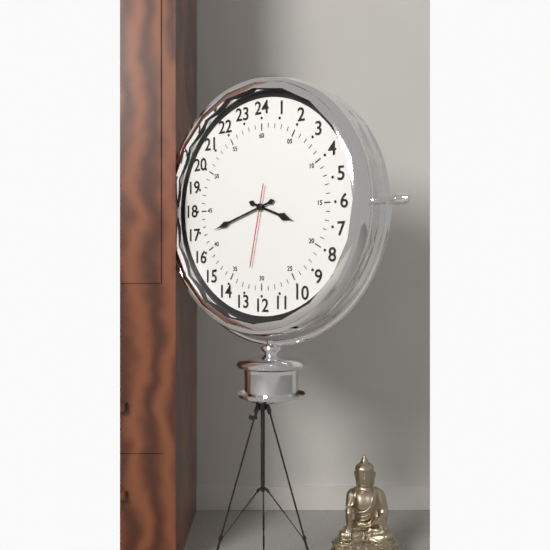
**3:42:32**
